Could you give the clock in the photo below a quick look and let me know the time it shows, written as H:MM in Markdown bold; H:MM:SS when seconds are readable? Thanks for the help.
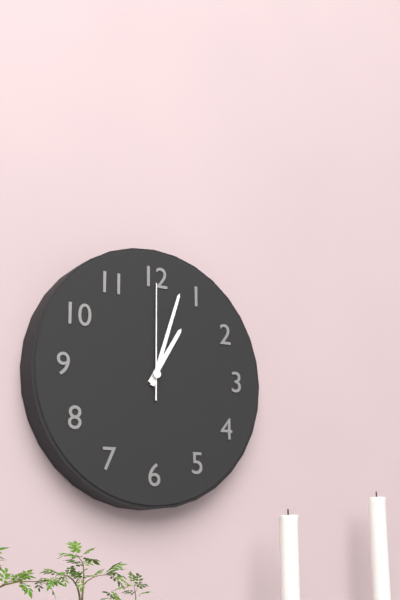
**1:03:00**
